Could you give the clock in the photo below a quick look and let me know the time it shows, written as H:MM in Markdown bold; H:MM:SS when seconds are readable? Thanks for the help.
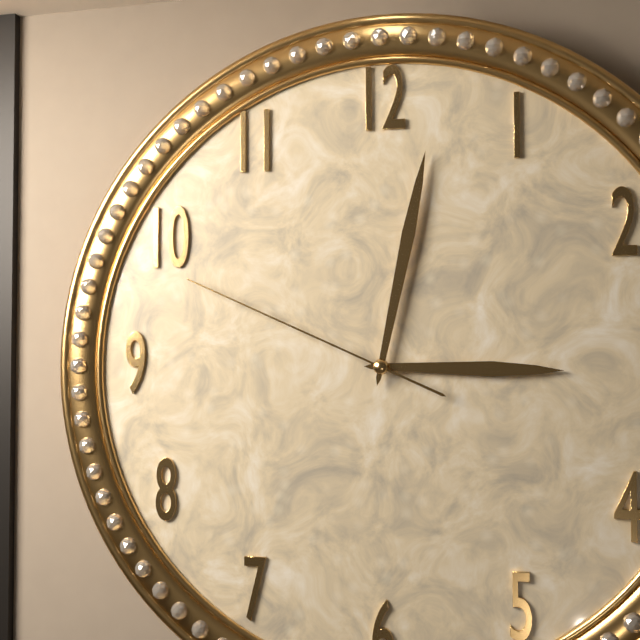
**3:02:49**
